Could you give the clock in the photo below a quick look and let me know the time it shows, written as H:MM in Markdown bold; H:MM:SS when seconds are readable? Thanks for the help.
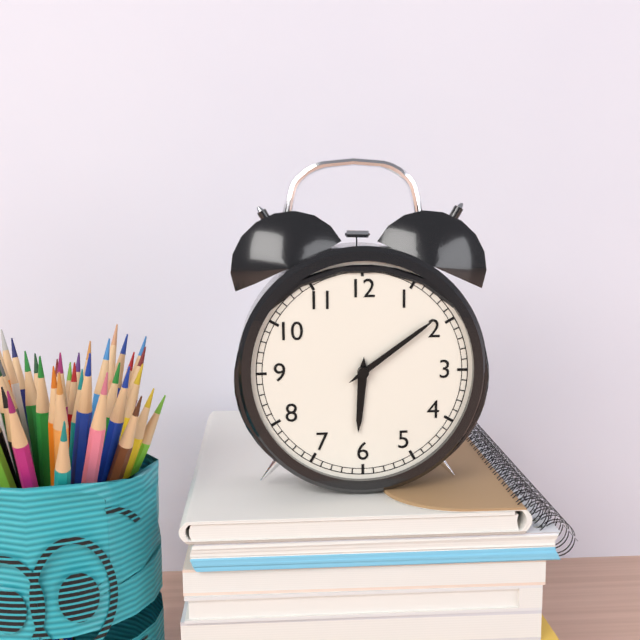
**6:09**
